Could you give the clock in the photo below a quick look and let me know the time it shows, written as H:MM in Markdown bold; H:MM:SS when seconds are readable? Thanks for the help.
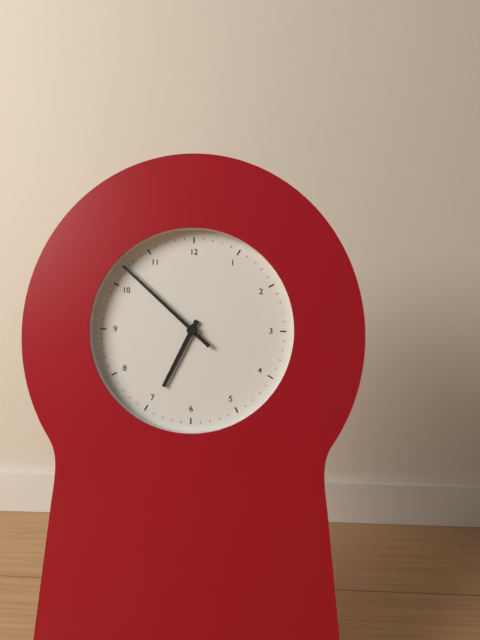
**6:52**
